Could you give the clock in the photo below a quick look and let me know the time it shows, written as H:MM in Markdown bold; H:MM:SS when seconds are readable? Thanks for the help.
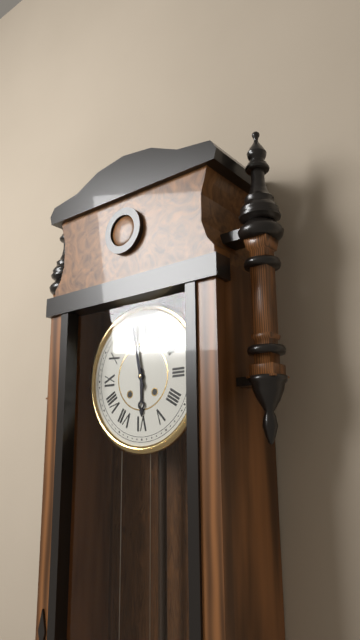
**5:58**
